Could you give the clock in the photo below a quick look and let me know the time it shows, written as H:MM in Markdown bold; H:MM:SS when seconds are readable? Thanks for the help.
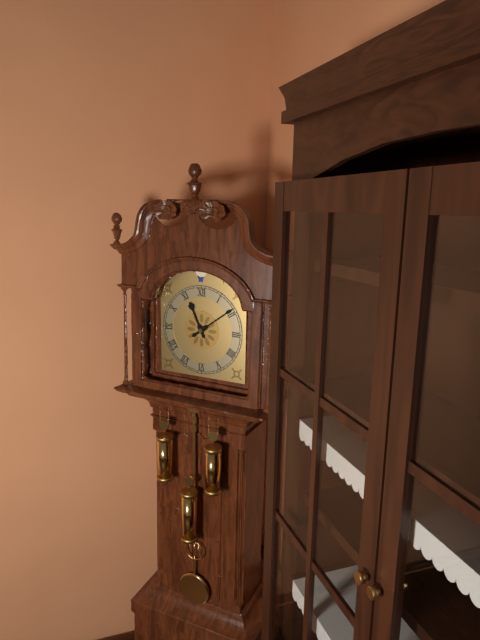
**11:09**
